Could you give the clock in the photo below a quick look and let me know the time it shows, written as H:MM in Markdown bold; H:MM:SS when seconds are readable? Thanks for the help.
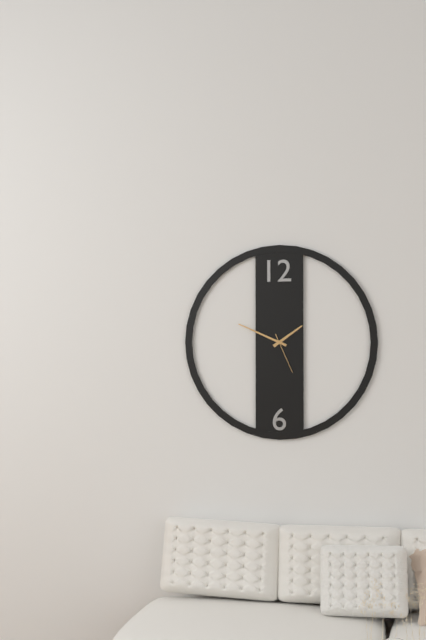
**1:49**
